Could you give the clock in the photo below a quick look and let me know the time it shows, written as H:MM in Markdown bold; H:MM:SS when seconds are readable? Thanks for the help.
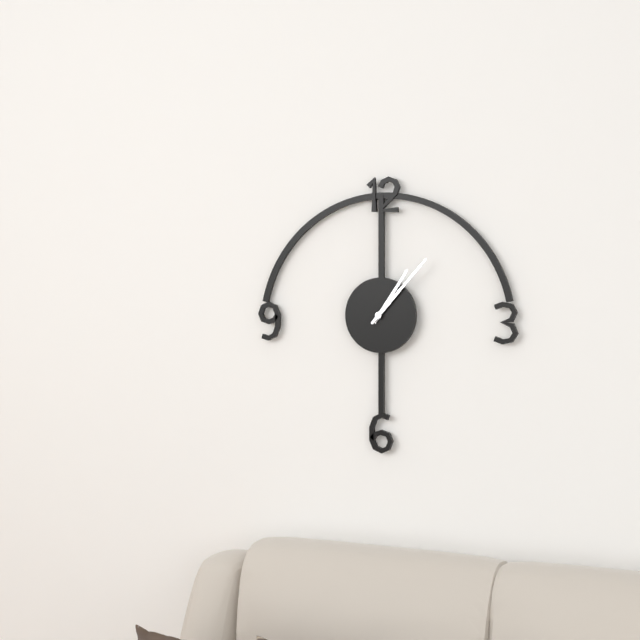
**1:07**
